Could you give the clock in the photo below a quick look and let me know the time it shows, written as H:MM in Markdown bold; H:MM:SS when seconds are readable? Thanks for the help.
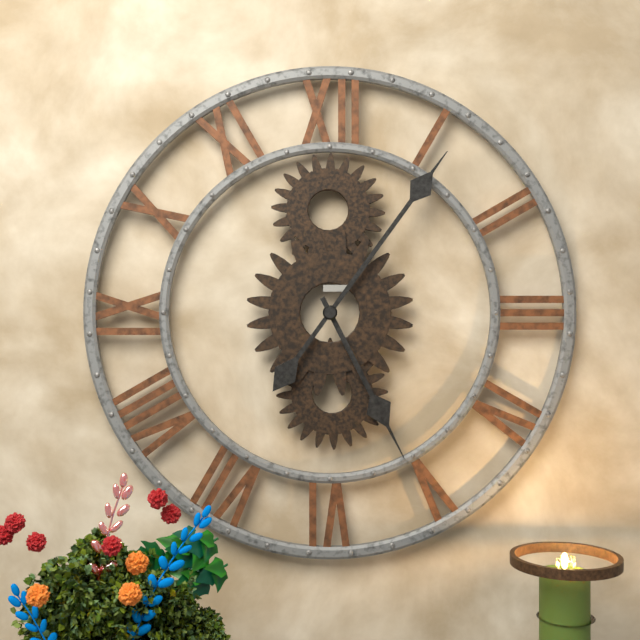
**5:06**
